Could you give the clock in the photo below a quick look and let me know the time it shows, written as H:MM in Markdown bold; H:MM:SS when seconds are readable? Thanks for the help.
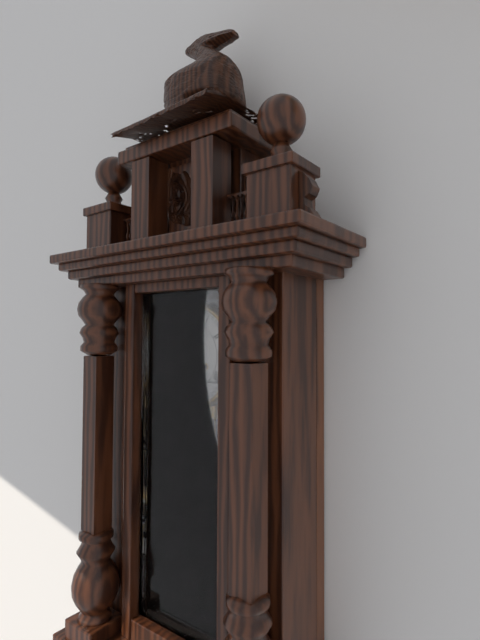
**11:41**
